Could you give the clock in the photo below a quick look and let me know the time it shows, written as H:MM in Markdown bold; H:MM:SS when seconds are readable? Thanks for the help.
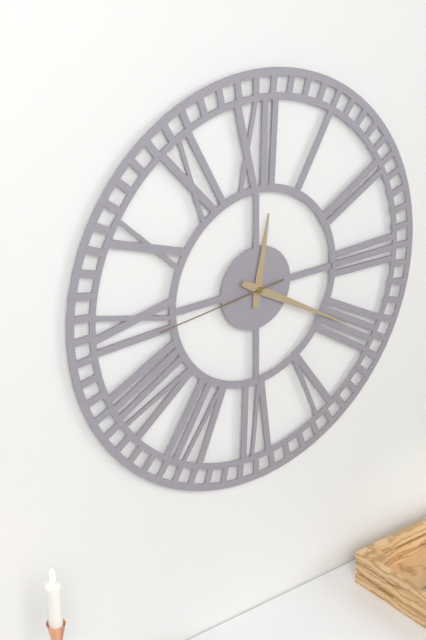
**12:20:44**
